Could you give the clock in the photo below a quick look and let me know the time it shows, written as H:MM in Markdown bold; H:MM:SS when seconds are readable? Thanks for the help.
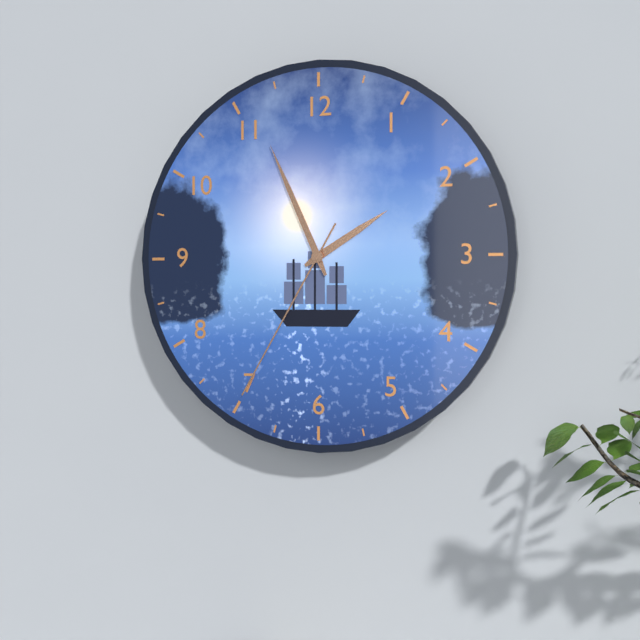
**1:56:35**
